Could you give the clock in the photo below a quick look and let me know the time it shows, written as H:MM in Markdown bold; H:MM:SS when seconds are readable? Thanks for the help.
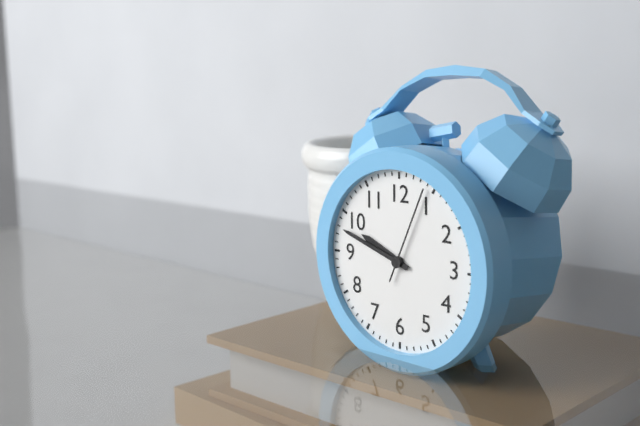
**9:48:04**
